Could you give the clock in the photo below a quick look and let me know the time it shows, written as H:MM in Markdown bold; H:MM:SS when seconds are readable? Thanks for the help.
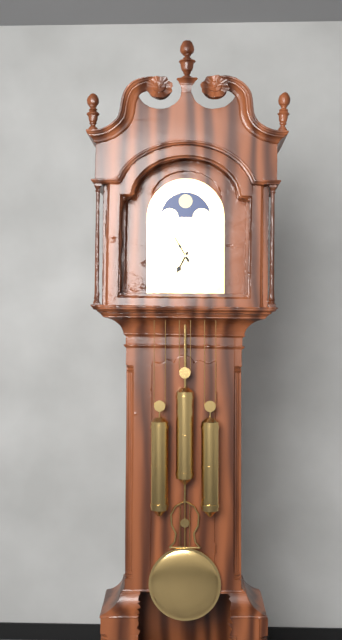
**6:55**
